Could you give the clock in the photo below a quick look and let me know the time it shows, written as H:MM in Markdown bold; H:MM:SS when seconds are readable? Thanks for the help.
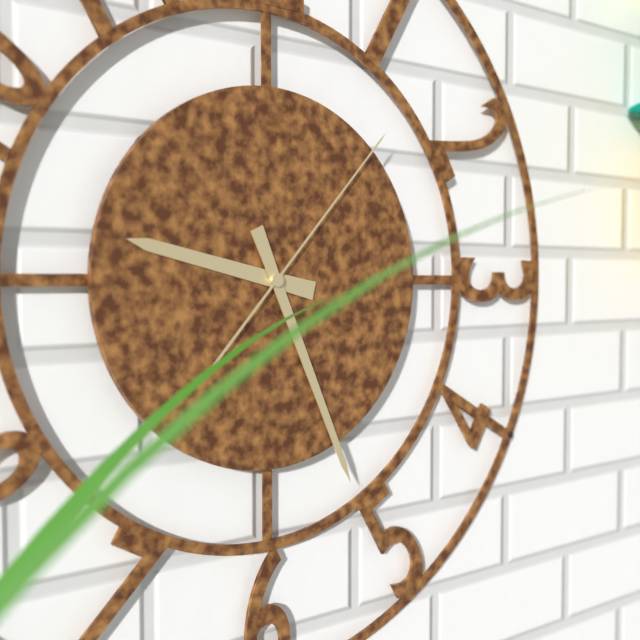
**9:26:07**
